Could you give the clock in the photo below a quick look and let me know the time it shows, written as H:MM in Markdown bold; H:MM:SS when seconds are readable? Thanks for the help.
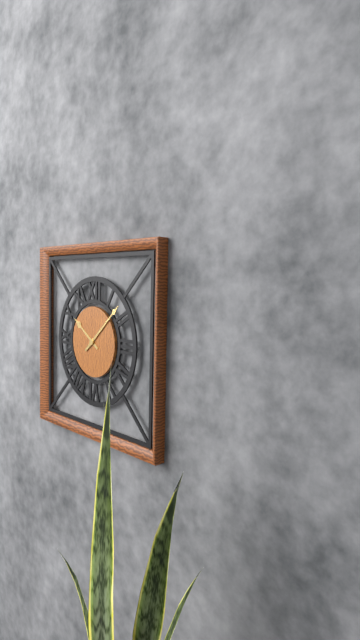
**10:08**
